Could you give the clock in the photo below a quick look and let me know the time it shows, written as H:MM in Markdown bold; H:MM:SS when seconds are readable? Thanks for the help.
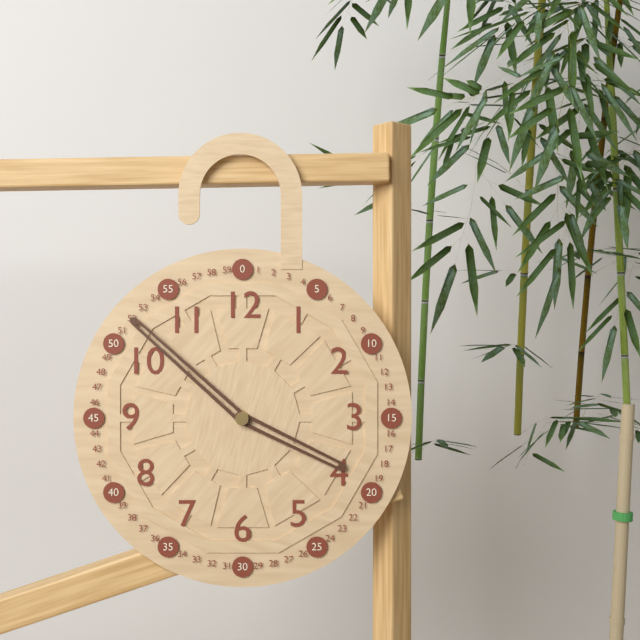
**3:52**
